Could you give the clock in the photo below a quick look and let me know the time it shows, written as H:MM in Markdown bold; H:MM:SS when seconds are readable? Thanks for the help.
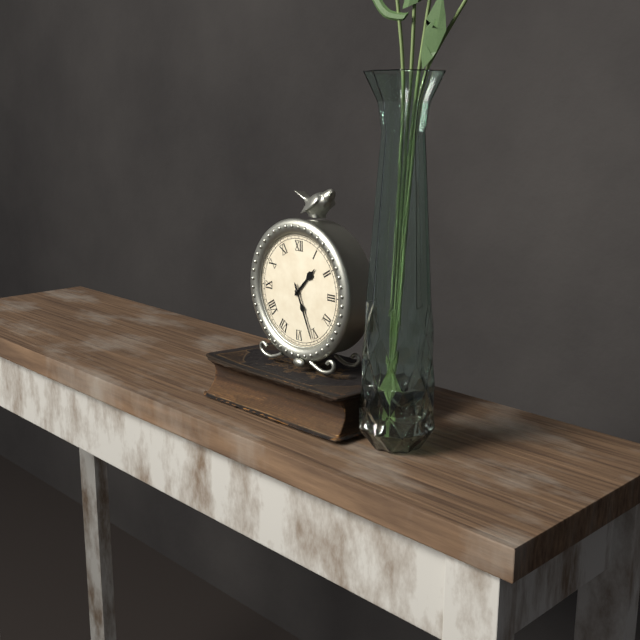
**1:26**
